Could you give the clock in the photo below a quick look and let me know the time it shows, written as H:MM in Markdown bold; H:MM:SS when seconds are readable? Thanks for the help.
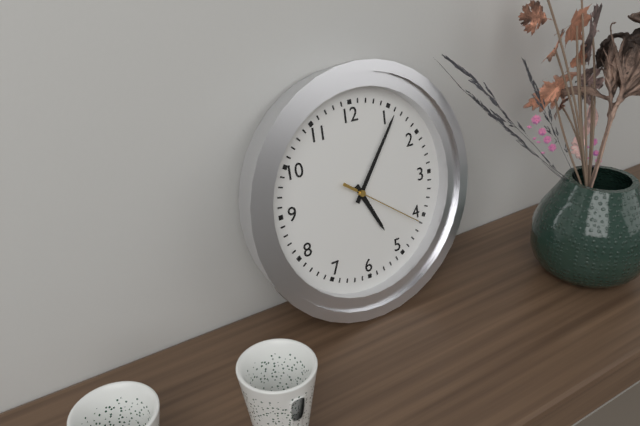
**5:06:21**
